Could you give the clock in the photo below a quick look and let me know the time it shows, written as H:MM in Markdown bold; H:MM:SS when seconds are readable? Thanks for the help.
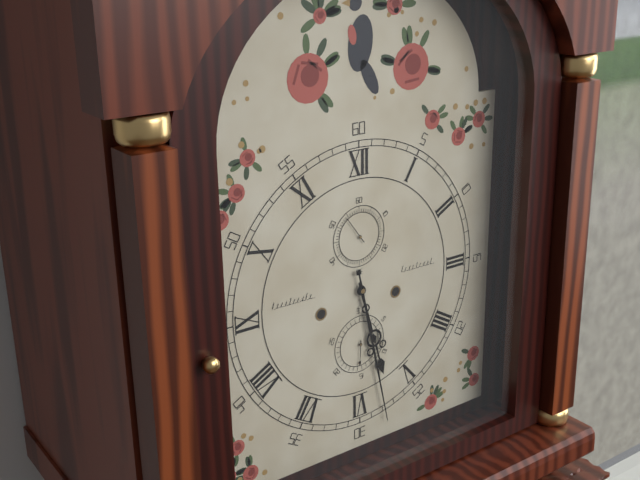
**5:28**
